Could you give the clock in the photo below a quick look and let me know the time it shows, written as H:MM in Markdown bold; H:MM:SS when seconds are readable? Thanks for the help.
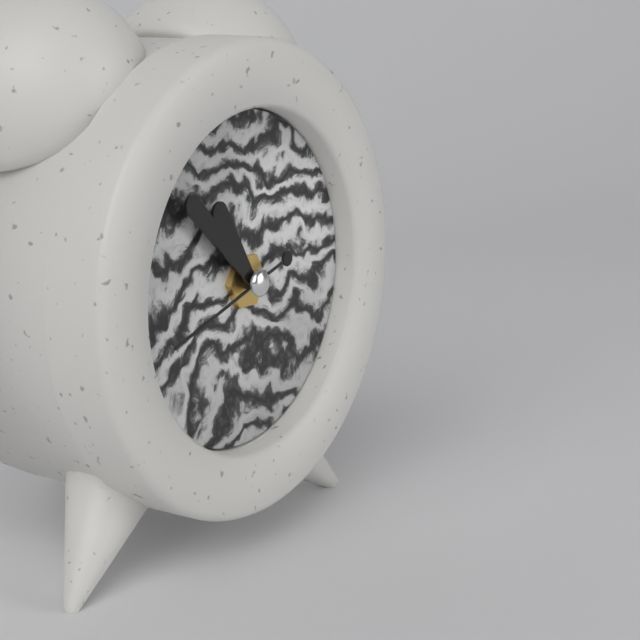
**10:52:42**
